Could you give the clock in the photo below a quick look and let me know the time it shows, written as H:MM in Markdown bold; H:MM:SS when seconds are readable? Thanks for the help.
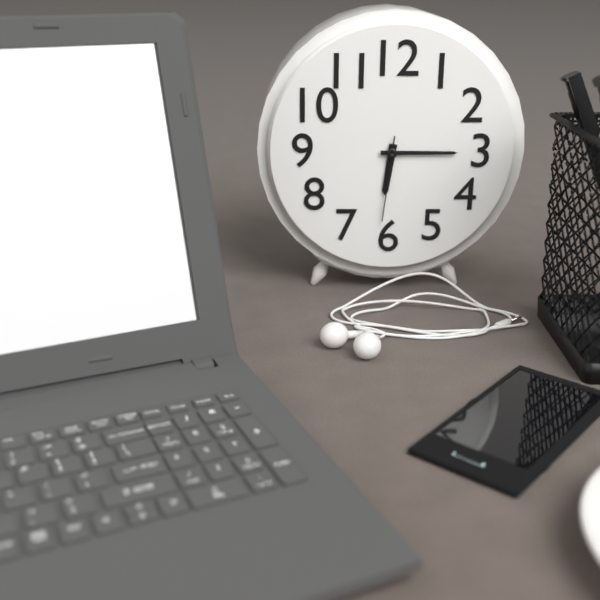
**6:15:31**
